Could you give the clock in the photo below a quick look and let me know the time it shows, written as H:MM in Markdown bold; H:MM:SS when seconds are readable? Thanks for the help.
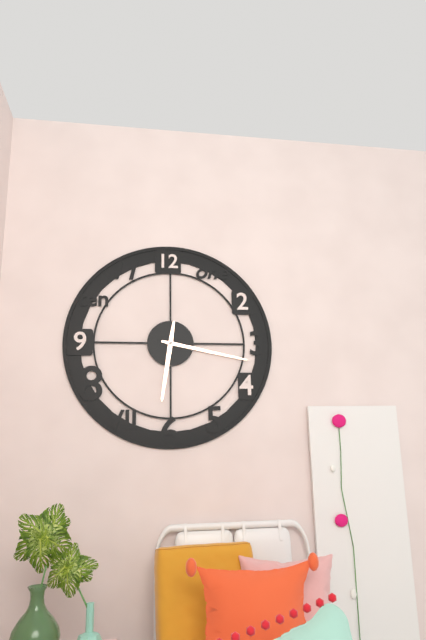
**6:17**
